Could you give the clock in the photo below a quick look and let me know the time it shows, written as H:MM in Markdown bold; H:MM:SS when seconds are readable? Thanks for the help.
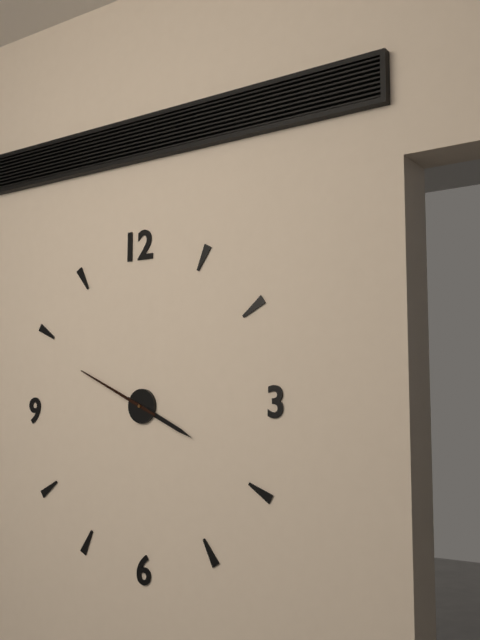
**3:49**
